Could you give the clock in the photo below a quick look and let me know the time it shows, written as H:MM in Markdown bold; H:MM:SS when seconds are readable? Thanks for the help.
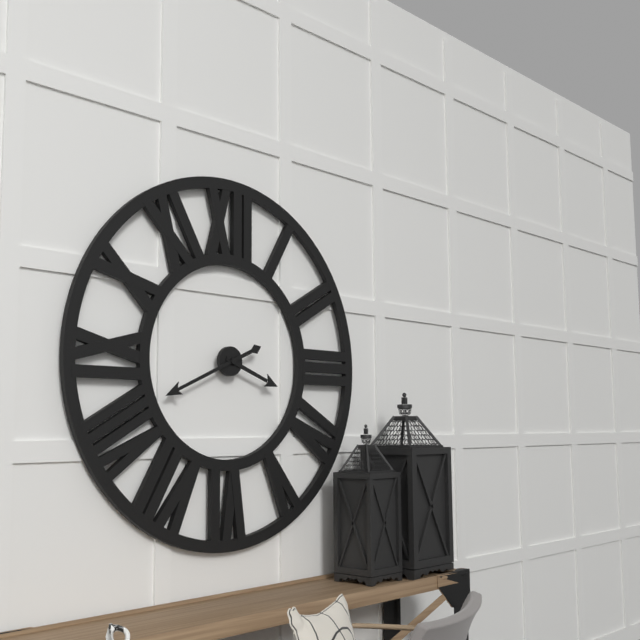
**3:41**
